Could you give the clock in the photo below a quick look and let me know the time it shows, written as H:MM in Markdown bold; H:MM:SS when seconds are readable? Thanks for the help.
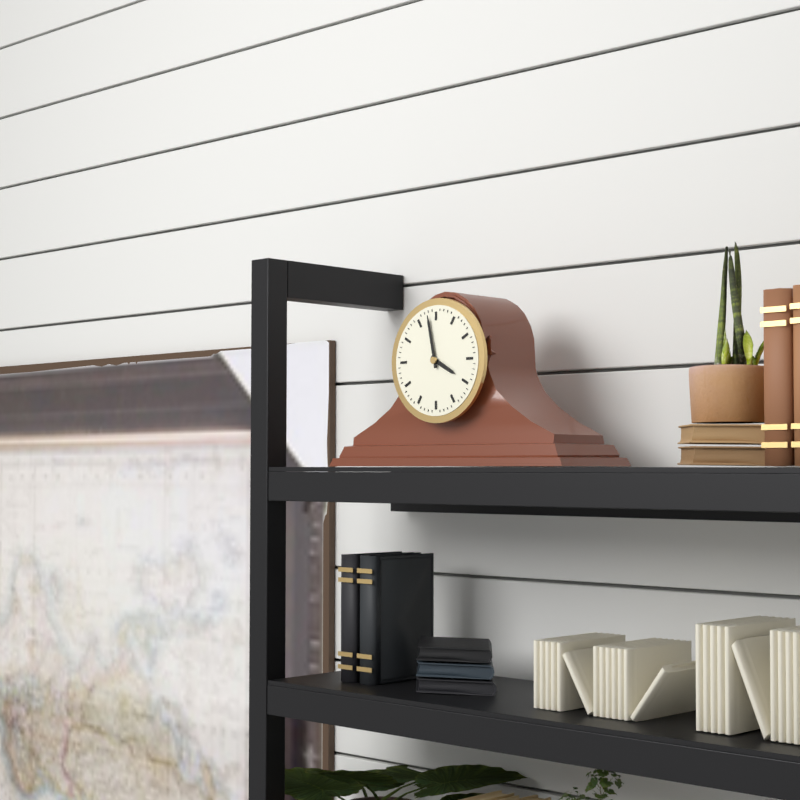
**3:58**
